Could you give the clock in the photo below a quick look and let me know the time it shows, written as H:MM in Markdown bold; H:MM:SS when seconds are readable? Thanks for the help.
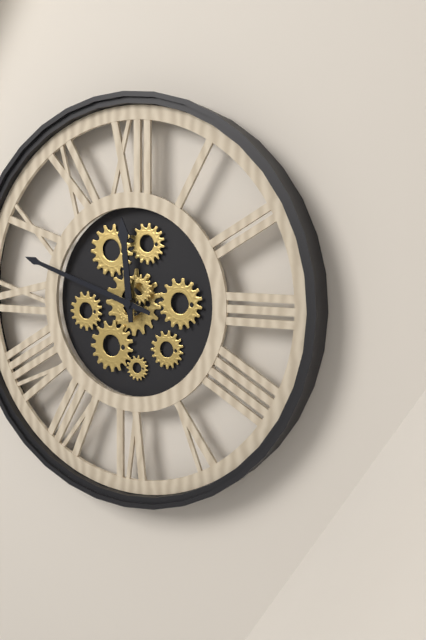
**11:48**
